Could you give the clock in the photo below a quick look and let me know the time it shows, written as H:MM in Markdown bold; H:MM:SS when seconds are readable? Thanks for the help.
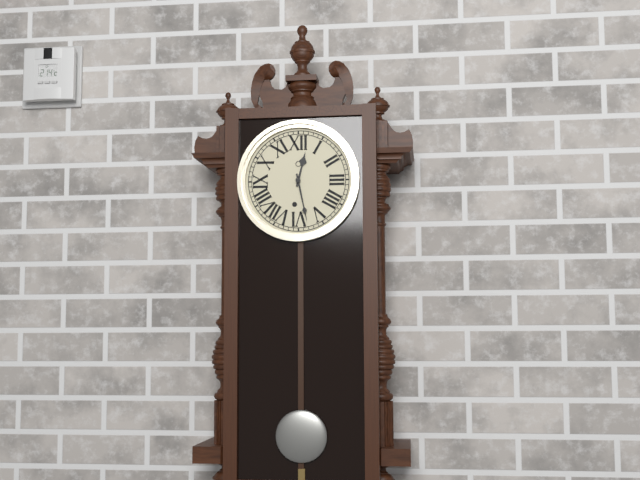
**12:28**
